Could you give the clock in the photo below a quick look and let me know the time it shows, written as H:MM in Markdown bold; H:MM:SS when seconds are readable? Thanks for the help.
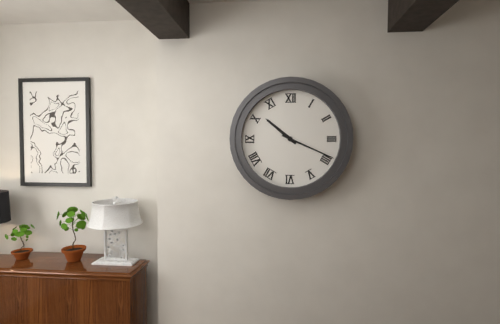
**10:19**
